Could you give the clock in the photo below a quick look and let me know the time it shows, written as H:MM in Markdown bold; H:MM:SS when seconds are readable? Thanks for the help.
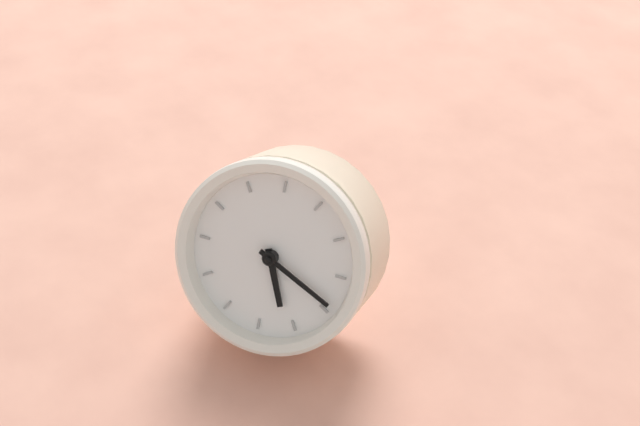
**4:14**
